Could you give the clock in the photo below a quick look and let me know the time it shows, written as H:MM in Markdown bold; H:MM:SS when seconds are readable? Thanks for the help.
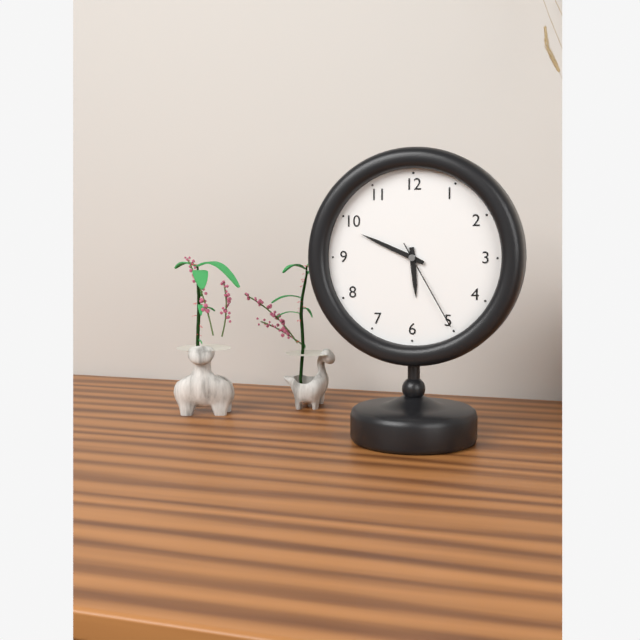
**5:49:25**
